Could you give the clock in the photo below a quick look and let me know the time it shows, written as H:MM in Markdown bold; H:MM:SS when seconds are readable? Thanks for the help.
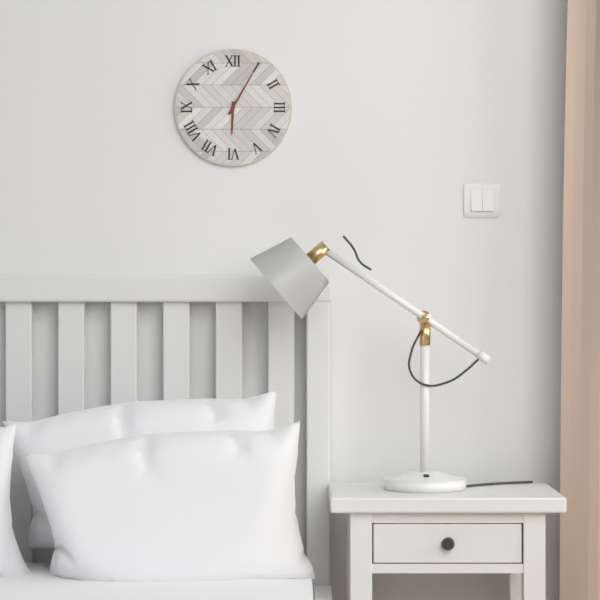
**6:05**
